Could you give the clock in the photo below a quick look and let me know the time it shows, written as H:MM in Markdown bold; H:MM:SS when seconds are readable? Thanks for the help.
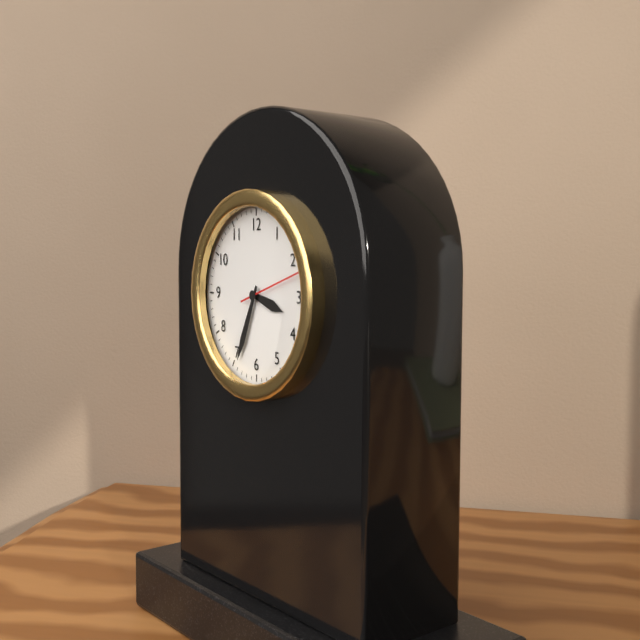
**3:34:12**
